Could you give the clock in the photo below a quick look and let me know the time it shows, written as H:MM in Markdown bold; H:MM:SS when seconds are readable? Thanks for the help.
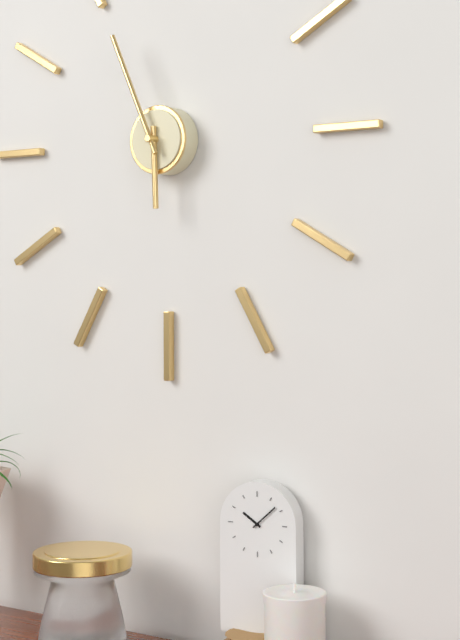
**5:56**
